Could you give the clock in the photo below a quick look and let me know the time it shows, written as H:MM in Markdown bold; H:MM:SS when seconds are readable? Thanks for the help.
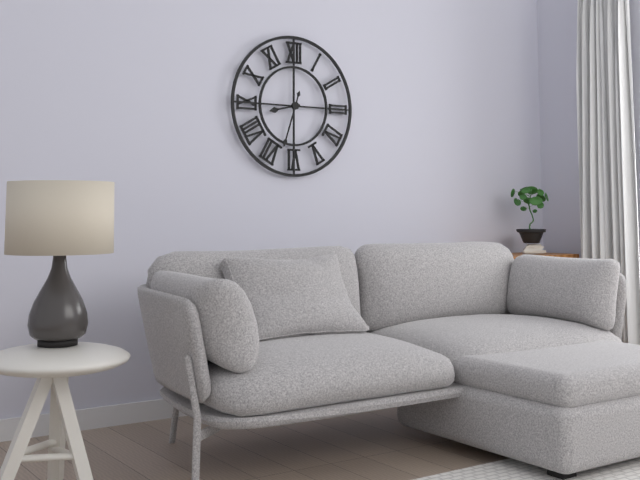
**8:33**
